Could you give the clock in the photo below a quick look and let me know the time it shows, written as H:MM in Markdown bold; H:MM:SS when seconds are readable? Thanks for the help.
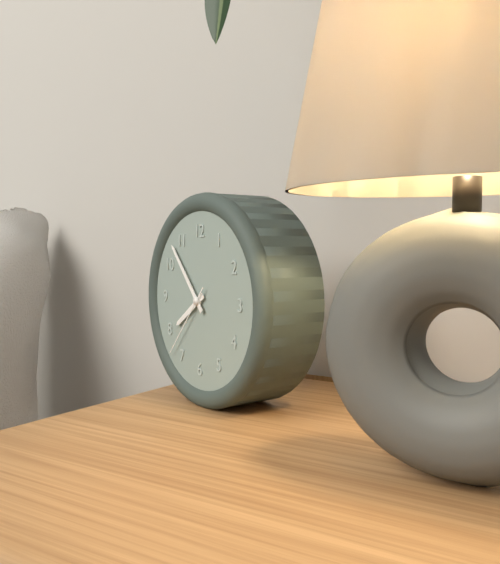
**7:53:37**
